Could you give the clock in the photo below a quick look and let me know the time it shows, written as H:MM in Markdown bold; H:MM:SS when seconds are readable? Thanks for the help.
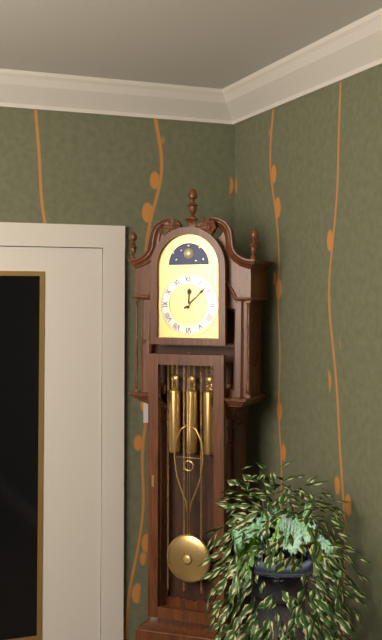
**12:08**
